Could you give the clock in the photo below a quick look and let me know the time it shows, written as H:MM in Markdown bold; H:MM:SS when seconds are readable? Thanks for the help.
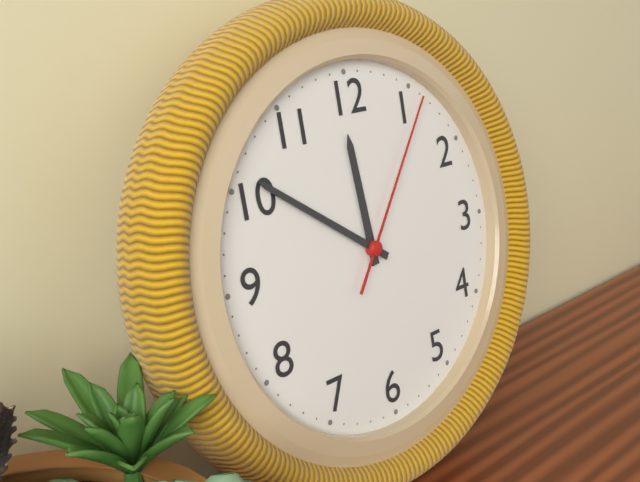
**11:51:06**
